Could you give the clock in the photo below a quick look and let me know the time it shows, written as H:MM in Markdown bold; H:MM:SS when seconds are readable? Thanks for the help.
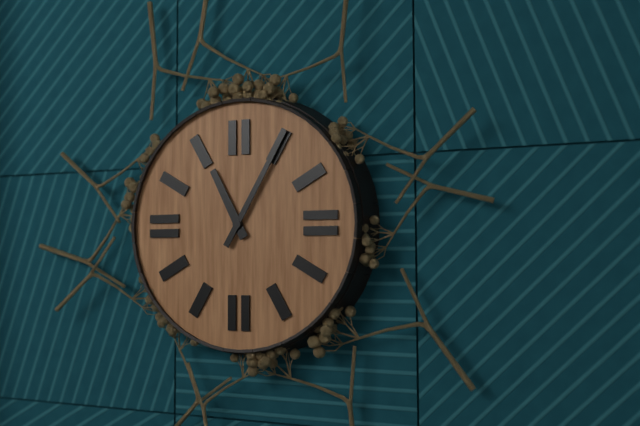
**11:05**
